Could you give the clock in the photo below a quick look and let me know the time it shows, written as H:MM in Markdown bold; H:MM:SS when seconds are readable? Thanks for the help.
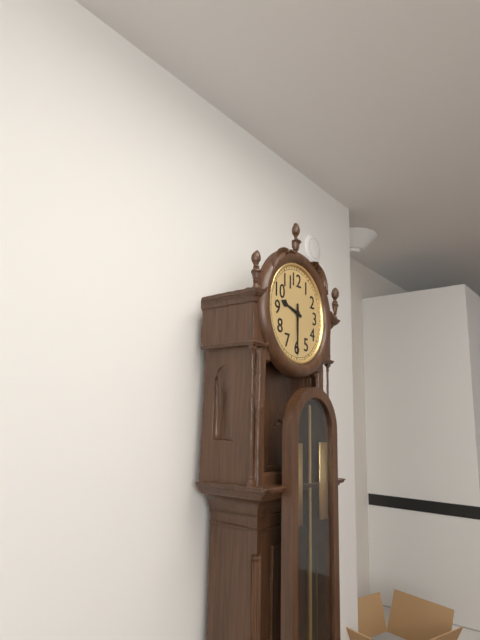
**9:30**
